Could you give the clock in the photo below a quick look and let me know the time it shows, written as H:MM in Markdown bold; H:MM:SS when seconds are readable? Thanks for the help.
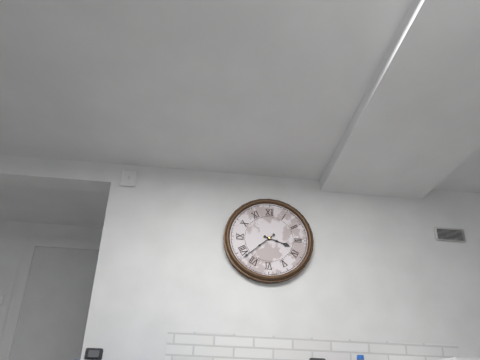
**3:38**
